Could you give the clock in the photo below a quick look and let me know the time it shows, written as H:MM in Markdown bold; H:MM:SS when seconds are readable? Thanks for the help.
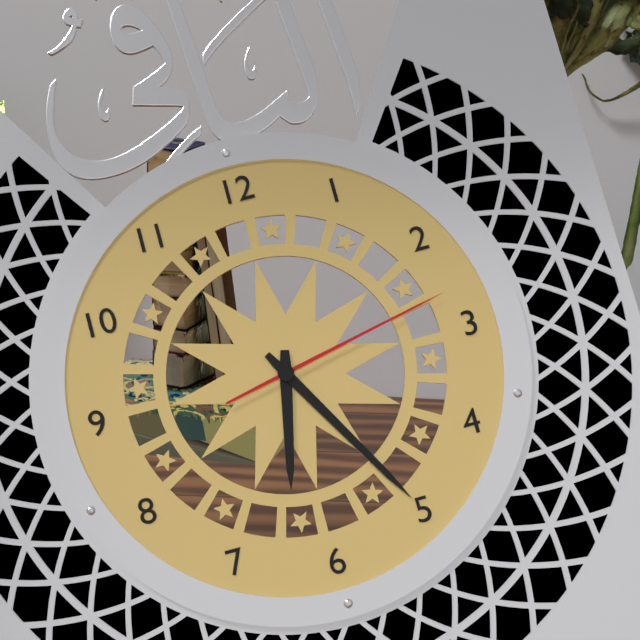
**6:25:13**
